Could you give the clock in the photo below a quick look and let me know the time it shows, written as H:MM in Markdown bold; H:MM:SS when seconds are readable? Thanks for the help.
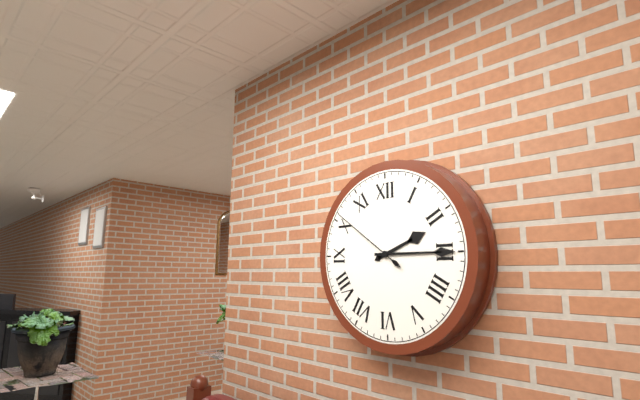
**2:15:51**
